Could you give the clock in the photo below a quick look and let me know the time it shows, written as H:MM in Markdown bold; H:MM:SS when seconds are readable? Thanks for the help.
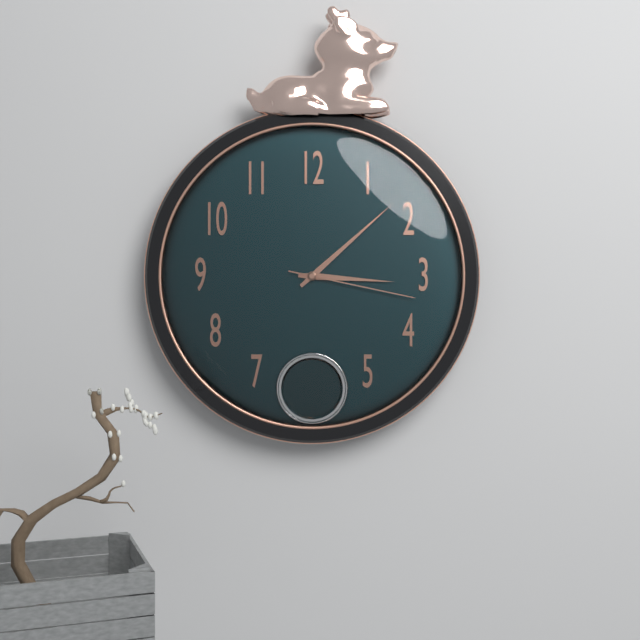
**3:08:17**
